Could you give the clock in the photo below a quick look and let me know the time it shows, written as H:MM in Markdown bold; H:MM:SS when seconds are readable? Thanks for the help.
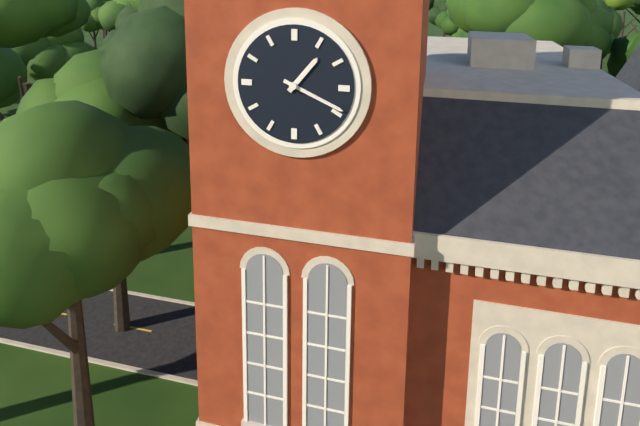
**1:19**
